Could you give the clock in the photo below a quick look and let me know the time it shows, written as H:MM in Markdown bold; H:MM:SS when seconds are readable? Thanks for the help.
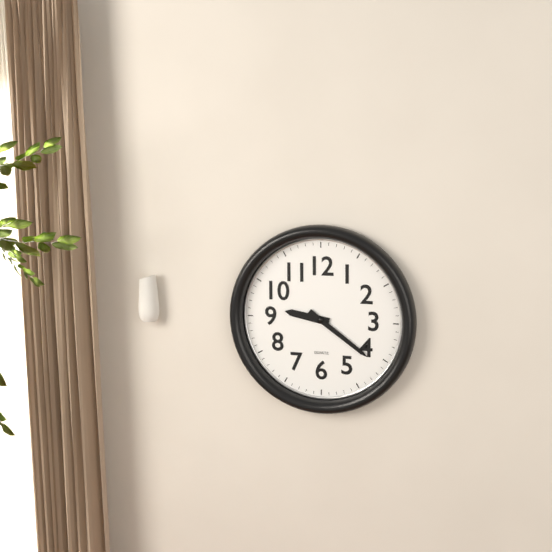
**9:21**
